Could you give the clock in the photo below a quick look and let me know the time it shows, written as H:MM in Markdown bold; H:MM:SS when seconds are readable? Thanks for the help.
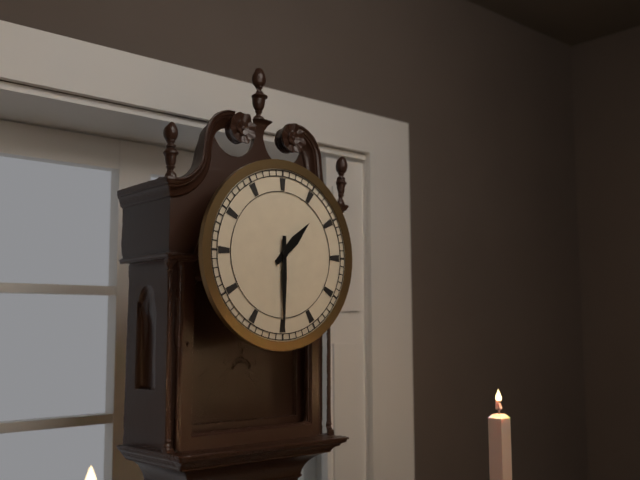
**1:30**
